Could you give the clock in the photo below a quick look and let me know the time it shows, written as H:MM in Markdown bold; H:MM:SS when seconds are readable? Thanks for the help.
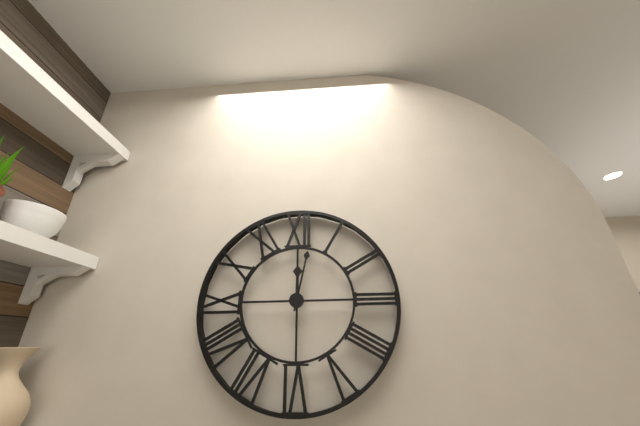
**12:02**
